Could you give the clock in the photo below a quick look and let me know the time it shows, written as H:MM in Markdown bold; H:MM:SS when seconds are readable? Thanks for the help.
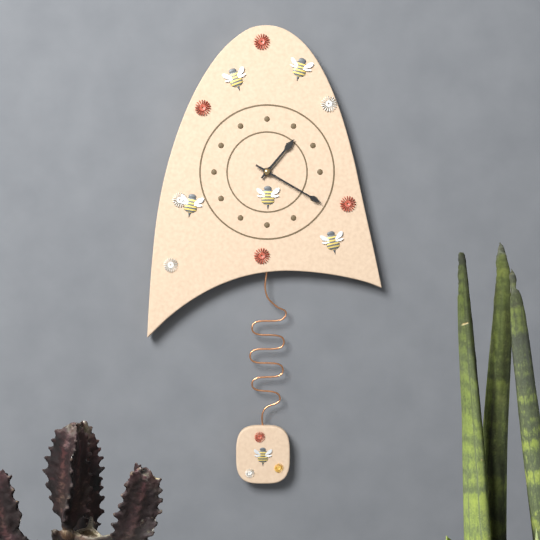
**1:20**
